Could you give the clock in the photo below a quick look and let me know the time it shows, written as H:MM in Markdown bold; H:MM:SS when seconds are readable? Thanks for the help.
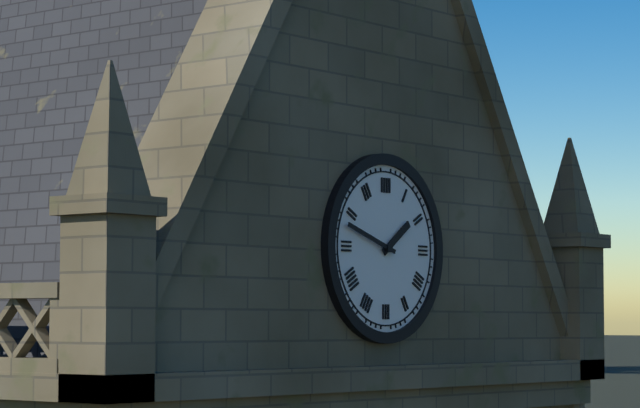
**1:48**
